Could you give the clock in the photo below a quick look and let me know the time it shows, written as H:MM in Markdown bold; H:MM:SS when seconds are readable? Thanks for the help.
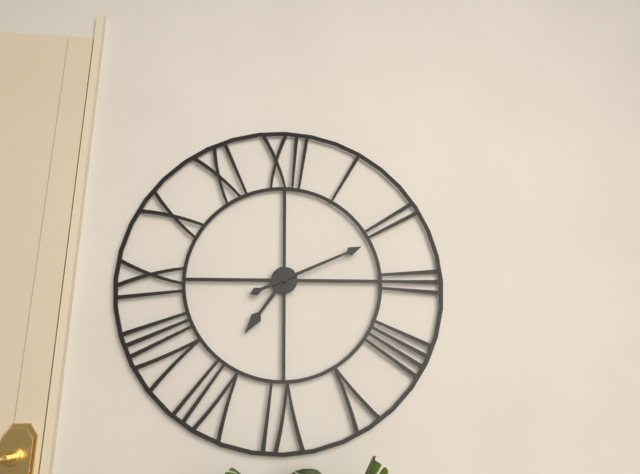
**7:11**
